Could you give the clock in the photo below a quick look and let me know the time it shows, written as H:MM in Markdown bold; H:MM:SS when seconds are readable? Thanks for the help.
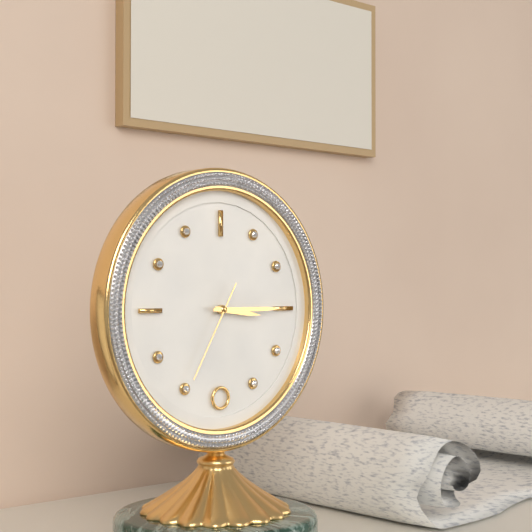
**3:15:35**
